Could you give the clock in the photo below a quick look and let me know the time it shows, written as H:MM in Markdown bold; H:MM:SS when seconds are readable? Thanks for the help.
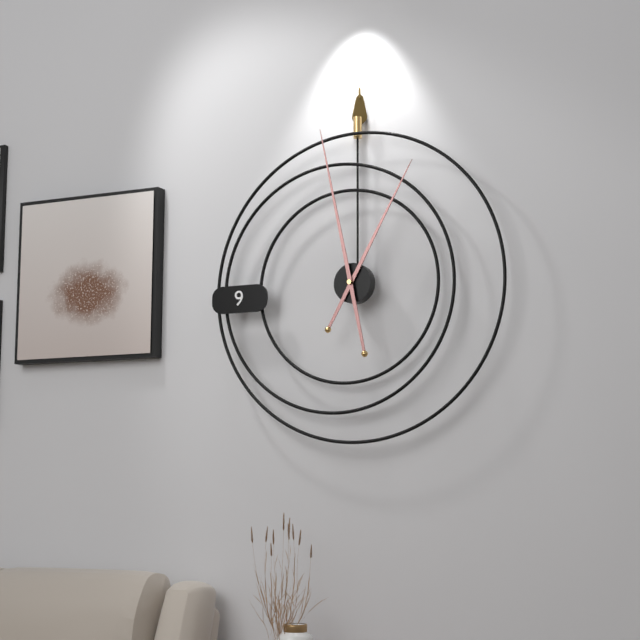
**12:58**
